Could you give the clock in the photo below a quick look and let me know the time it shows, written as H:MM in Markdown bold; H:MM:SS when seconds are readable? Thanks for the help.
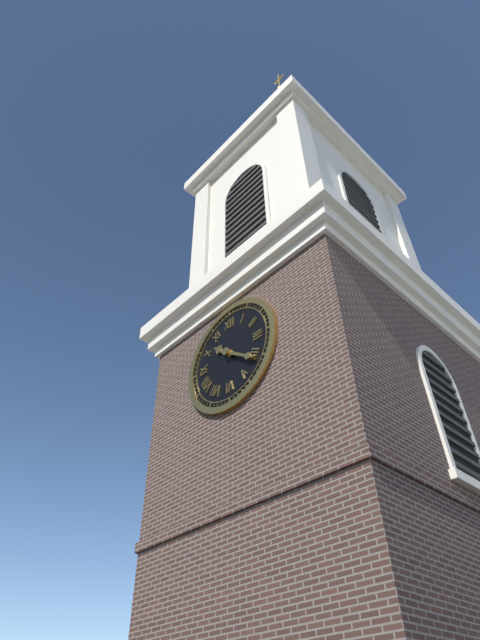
**10:21**
